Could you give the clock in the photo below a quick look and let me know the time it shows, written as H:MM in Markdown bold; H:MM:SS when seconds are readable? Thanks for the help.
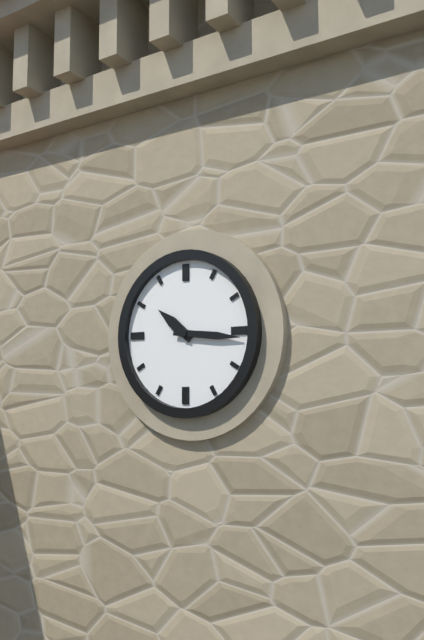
**10:16**
